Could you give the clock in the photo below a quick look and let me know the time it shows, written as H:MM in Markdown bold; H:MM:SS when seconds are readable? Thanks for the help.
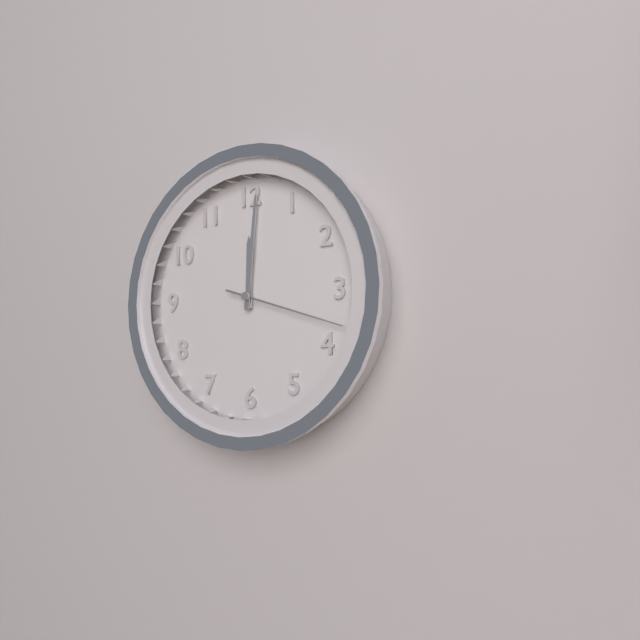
**12:01:18**
